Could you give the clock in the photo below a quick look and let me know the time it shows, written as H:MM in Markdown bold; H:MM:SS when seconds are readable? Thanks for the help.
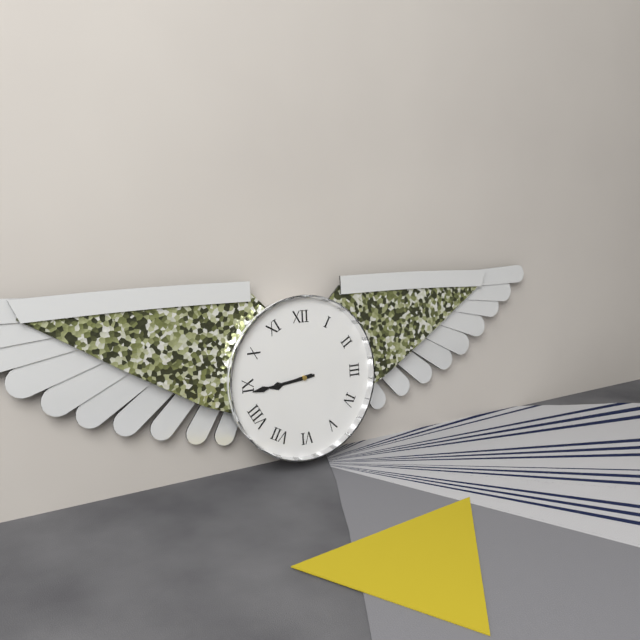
**8:44**
